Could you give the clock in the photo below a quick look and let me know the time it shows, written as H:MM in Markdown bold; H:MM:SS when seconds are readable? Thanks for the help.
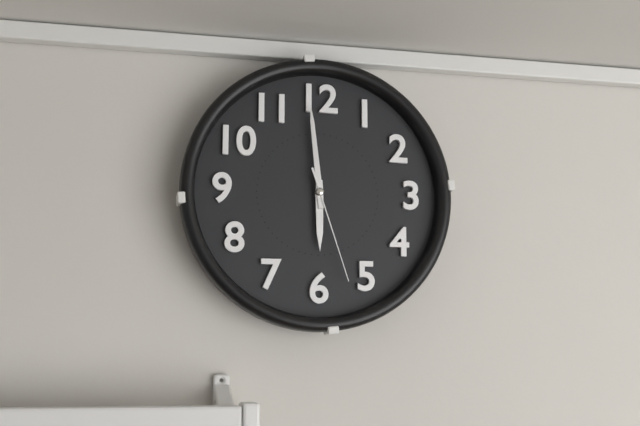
**5:59:27**
